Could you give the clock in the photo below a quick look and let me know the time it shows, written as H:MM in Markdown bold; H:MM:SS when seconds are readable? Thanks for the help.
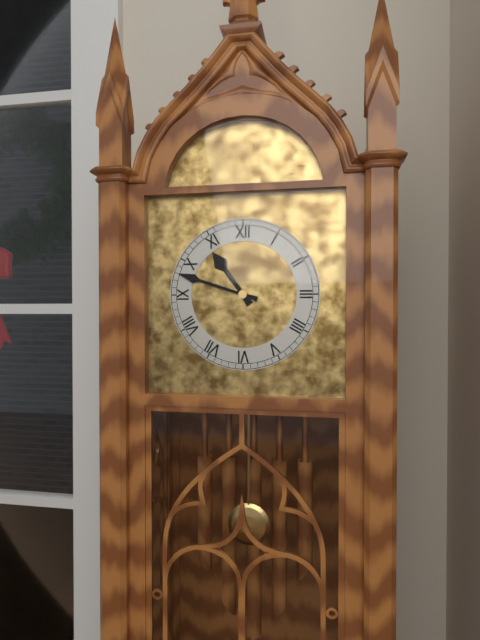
**10:48**
